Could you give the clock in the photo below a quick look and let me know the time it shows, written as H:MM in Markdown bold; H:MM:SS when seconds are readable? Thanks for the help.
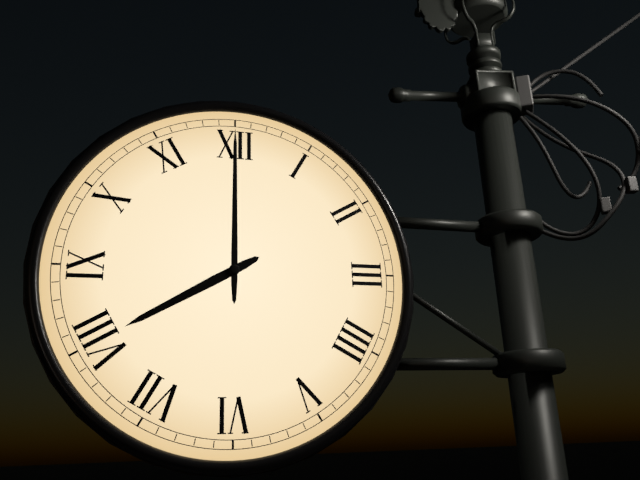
**8:00**
